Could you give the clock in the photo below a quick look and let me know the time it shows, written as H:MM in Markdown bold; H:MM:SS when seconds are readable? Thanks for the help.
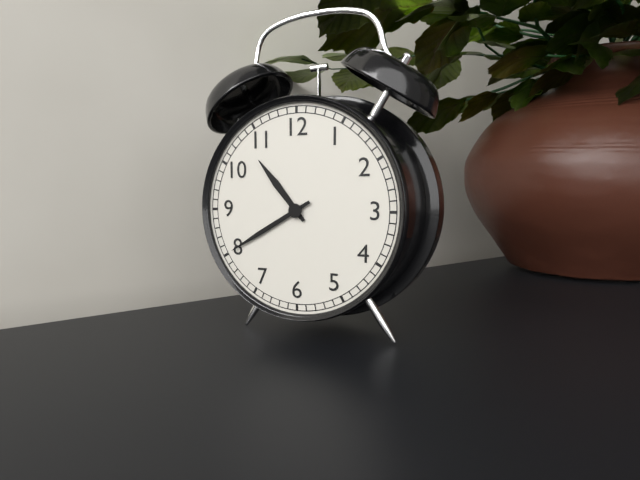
**10:40**
